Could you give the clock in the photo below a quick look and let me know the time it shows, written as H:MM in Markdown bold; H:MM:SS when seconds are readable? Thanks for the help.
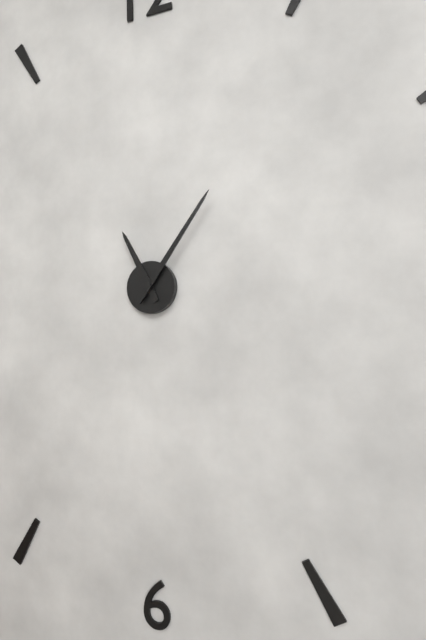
**11:06**
